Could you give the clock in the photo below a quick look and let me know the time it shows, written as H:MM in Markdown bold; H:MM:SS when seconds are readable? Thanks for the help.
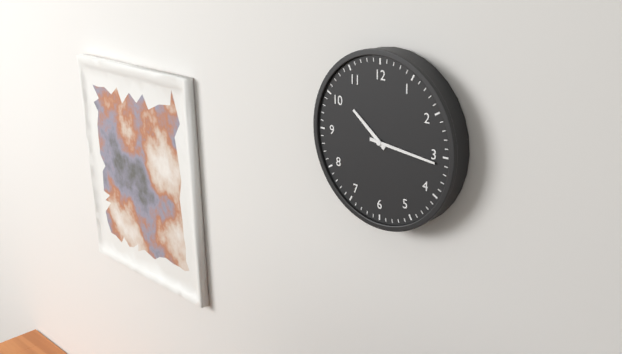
**10:16**
